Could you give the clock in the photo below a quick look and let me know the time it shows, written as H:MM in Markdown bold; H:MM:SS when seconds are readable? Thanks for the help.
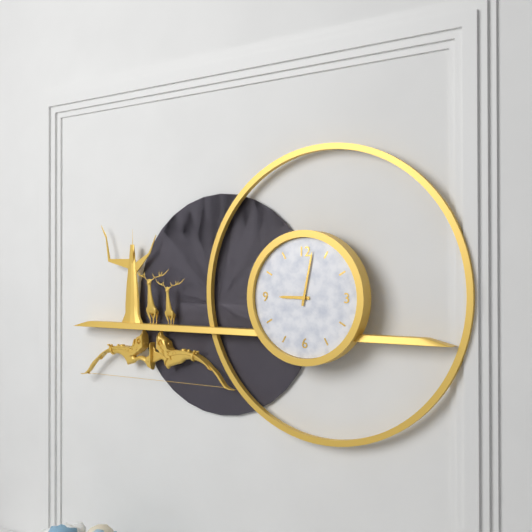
**9:02**
